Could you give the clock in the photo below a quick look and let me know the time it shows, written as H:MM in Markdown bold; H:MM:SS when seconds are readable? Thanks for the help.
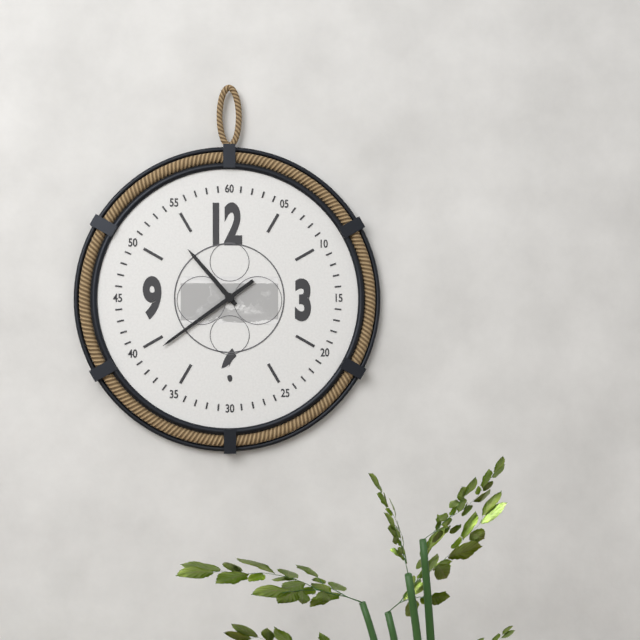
**10:39**
